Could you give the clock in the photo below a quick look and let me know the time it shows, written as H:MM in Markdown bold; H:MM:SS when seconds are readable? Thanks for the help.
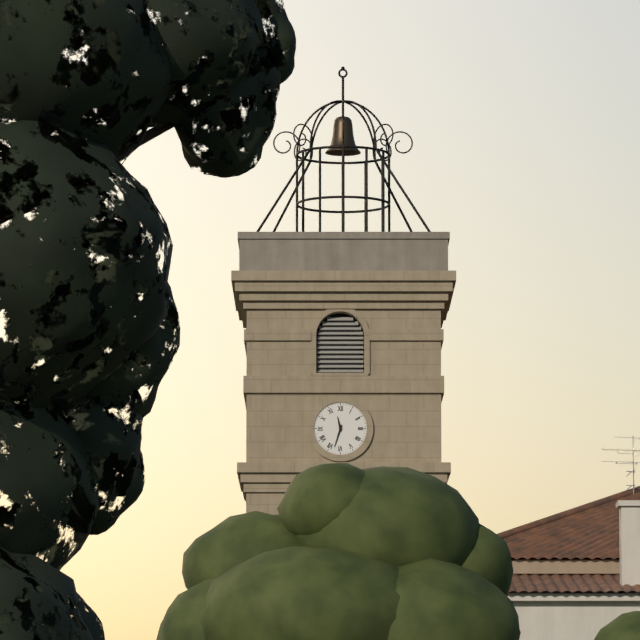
**11:33**
